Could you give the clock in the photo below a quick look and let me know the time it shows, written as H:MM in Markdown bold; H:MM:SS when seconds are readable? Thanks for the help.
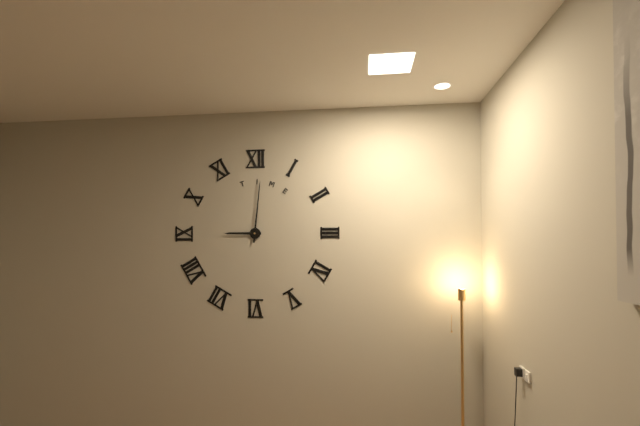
**9:01**
